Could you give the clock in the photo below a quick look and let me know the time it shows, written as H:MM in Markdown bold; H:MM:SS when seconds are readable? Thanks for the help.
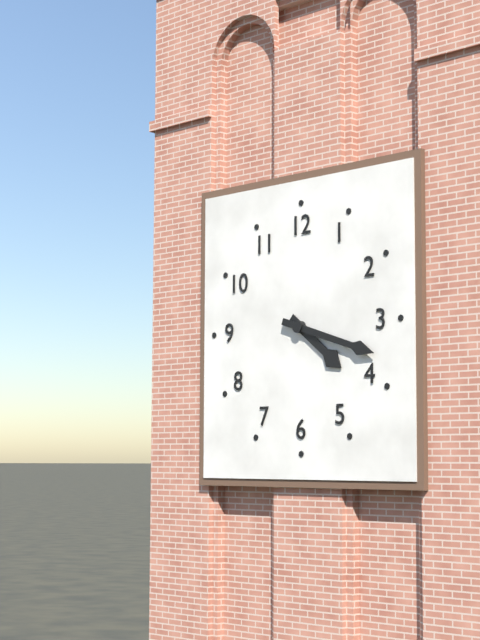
**4:18**
